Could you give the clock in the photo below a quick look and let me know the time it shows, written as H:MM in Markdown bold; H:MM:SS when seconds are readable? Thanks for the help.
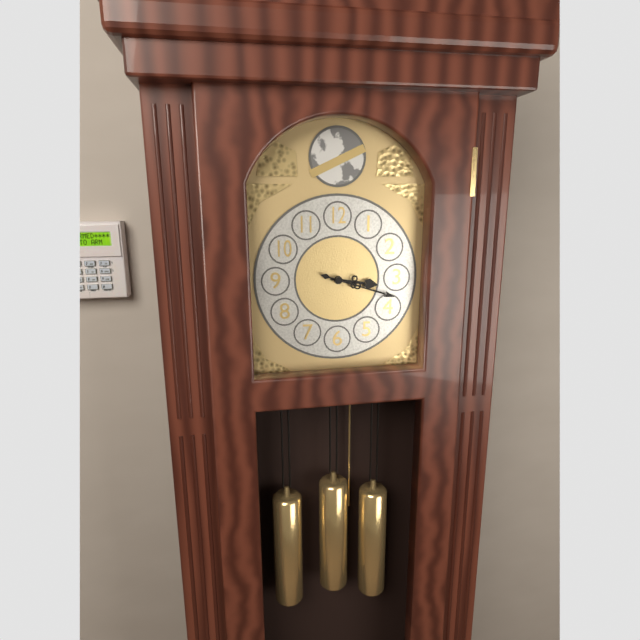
**3:18**
